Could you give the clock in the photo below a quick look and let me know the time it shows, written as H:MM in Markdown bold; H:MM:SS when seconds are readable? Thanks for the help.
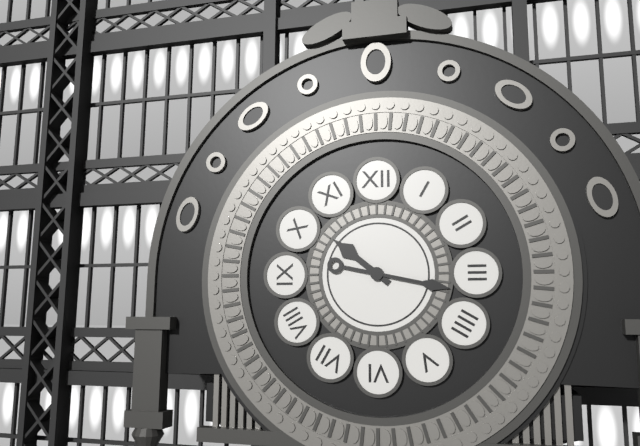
**10:17**
